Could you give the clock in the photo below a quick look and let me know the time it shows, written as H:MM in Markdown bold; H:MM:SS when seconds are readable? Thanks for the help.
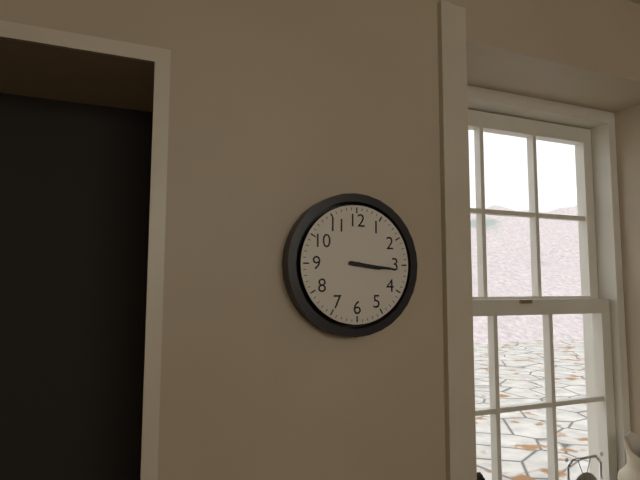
**3:16**
